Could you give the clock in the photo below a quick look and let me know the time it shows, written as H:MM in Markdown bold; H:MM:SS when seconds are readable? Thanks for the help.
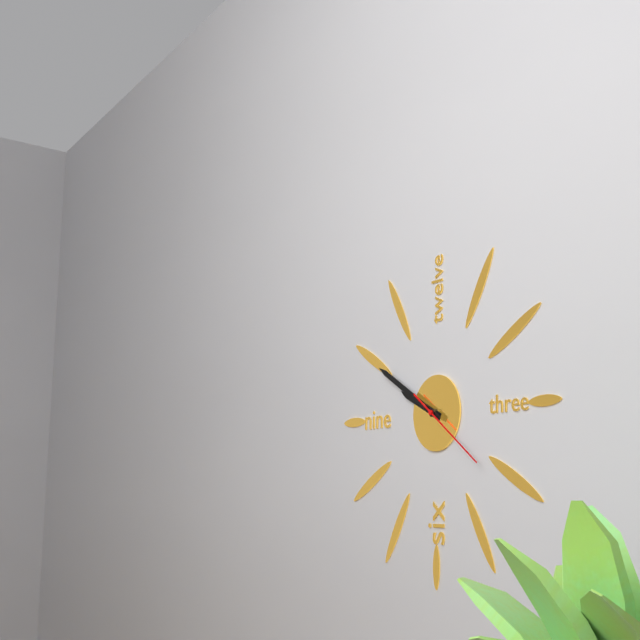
**9:50:21**
